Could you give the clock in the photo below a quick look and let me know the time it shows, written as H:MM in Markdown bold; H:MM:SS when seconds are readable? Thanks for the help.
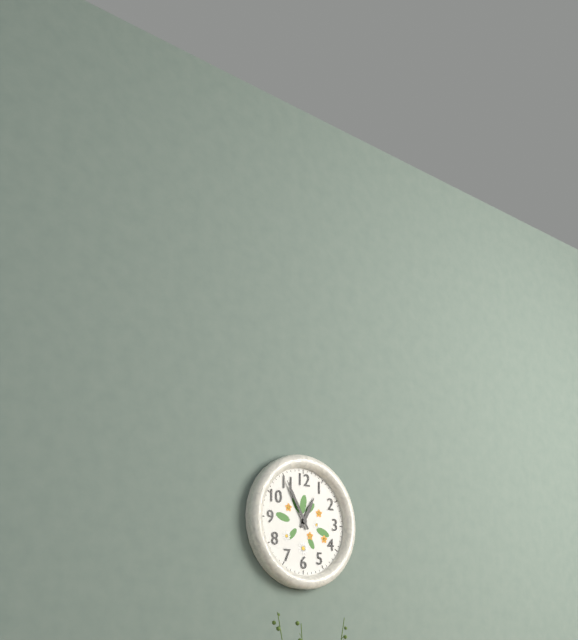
**12:55**
